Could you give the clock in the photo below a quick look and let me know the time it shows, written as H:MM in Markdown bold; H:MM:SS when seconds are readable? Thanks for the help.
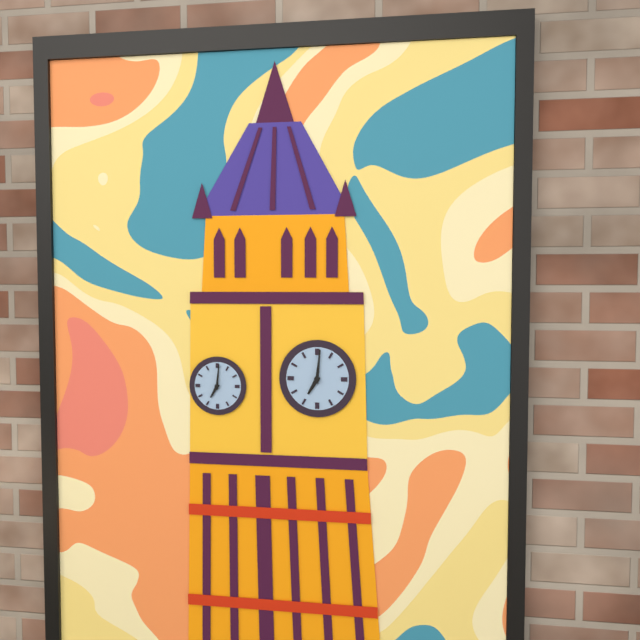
**7:01**
